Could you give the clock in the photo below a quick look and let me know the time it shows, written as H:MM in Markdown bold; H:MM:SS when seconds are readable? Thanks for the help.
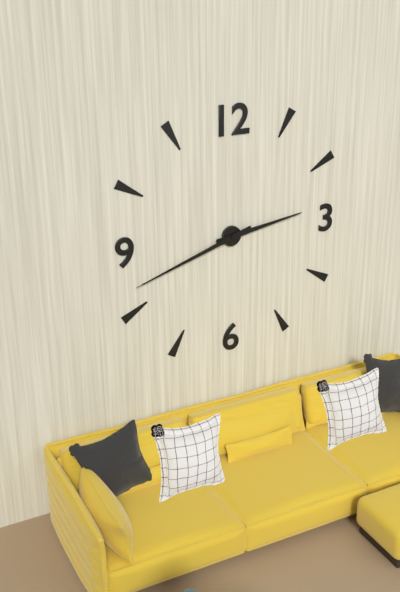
**2:42**
